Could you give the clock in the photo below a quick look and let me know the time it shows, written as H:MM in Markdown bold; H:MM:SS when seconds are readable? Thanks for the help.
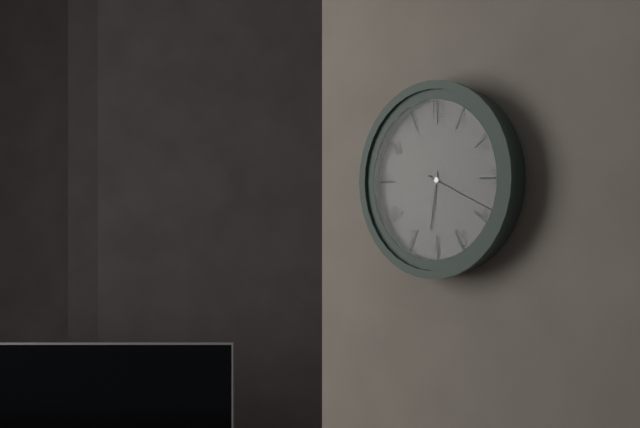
**6:19**
